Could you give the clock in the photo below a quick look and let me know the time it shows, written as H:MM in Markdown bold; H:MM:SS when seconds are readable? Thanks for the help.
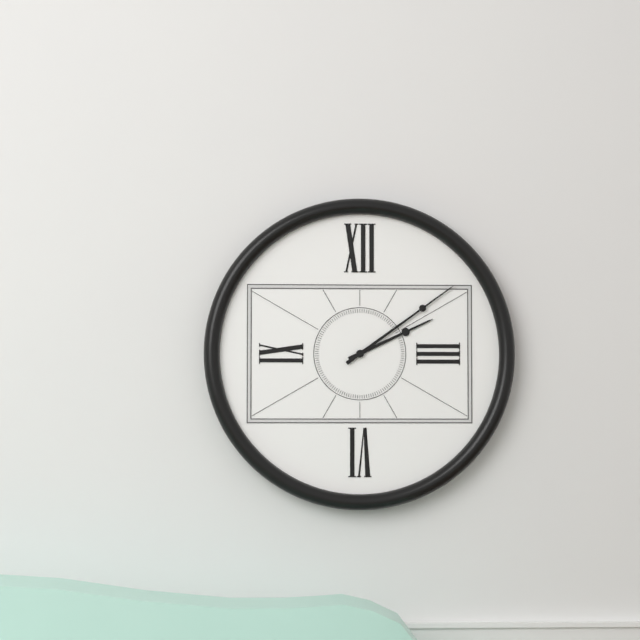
**2:09**
